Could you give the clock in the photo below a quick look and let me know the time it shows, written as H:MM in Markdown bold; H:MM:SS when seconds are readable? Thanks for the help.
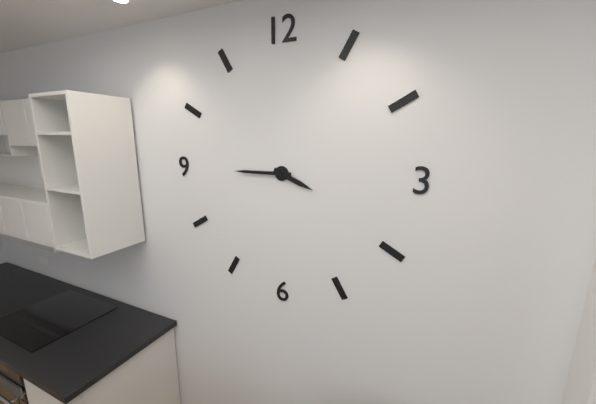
**3:45**
